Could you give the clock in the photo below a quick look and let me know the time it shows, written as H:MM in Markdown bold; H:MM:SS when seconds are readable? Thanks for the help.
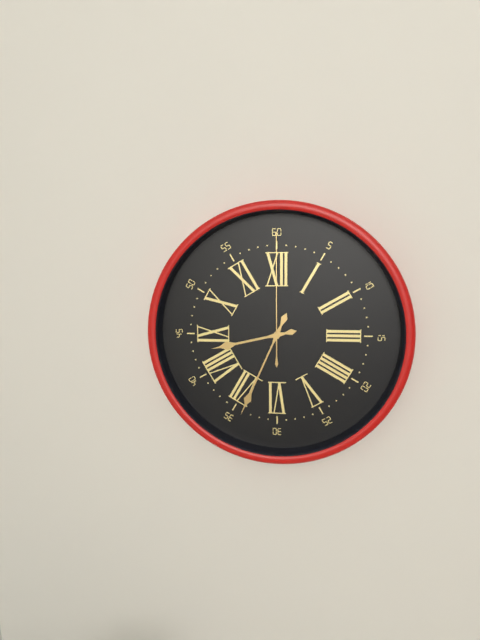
**8:34:00**
